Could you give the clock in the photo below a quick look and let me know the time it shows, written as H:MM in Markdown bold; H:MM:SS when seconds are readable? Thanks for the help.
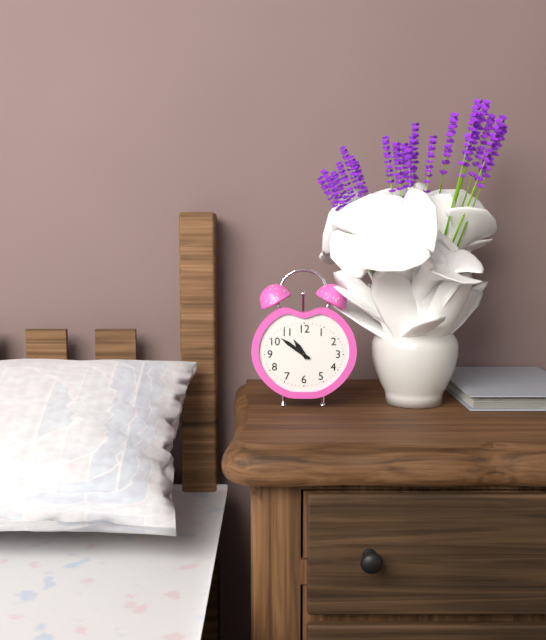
**10:51**
